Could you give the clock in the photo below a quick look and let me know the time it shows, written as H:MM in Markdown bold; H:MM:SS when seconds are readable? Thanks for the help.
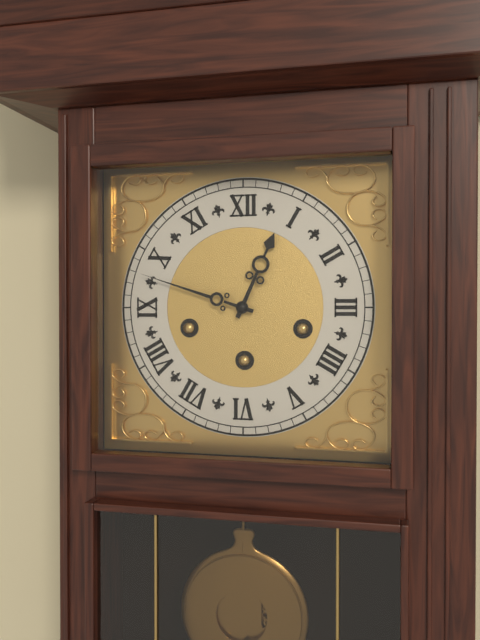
**12:48**
